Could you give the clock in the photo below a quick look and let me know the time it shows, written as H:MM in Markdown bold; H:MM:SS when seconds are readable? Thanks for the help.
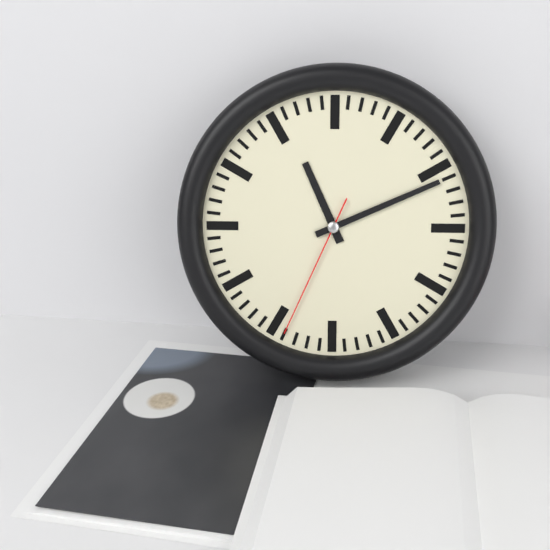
**11:11:34**
